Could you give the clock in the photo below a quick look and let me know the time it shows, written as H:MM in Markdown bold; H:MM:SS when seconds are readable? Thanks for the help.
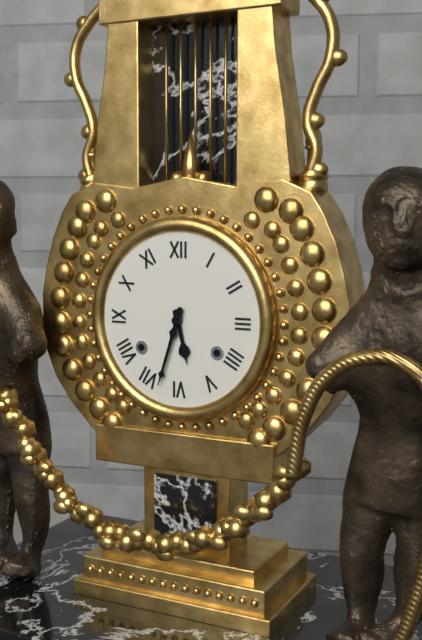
**5:33**
